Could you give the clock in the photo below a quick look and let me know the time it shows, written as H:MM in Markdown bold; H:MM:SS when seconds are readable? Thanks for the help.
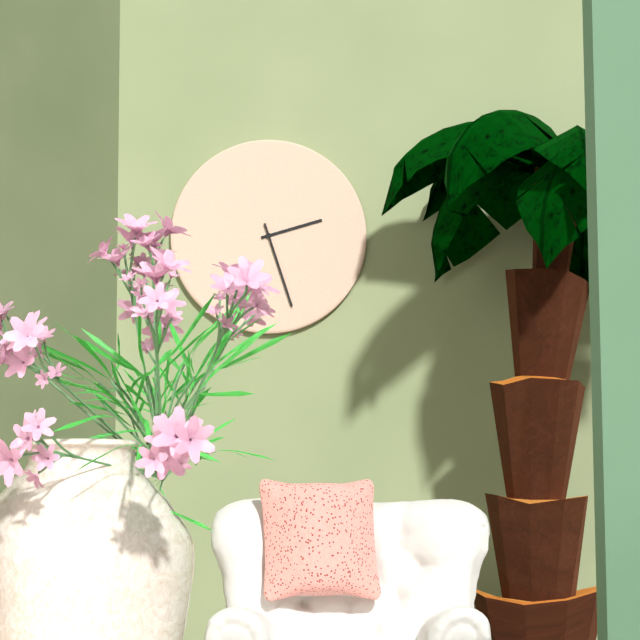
**2:27**
